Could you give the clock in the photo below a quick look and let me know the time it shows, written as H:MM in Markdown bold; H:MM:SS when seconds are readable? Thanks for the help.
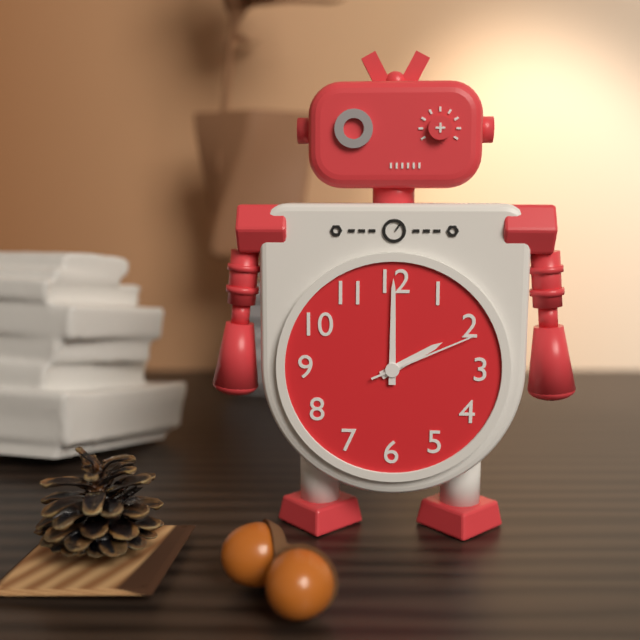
**2:00:11**
